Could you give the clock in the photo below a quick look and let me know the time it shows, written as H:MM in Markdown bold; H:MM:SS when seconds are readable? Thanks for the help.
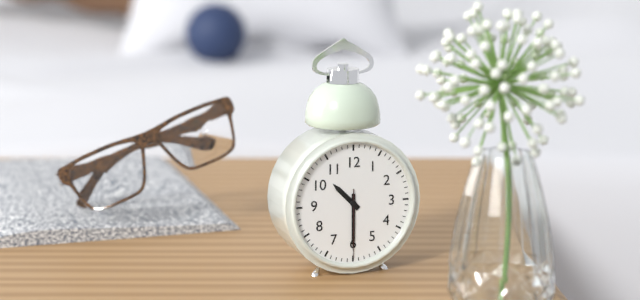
**10:30:30**
